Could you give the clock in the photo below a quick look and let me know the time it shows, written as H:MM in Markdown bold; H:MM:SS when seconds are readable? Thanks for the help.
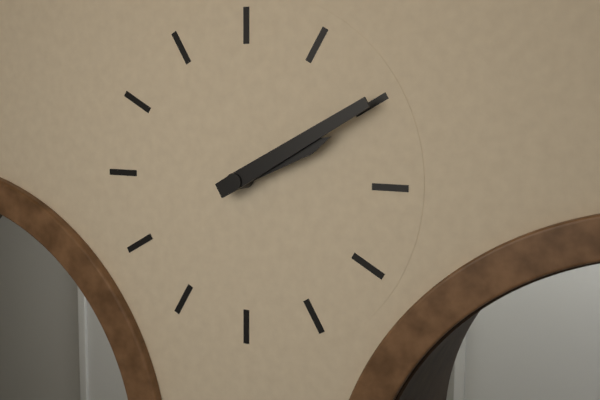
**2:10**
